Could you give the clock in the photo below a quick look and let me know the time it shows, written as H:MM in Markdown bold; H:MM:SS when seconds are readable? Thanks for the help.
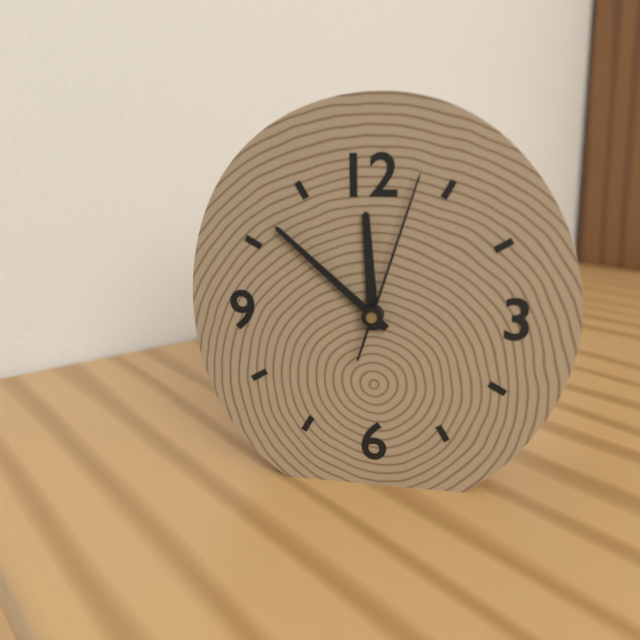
**11:52:03**
